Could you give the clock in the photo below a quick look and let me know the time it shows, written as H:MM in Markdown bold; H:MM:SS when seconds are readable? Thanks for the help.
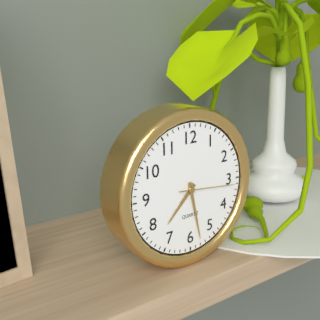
**7:28:16**
